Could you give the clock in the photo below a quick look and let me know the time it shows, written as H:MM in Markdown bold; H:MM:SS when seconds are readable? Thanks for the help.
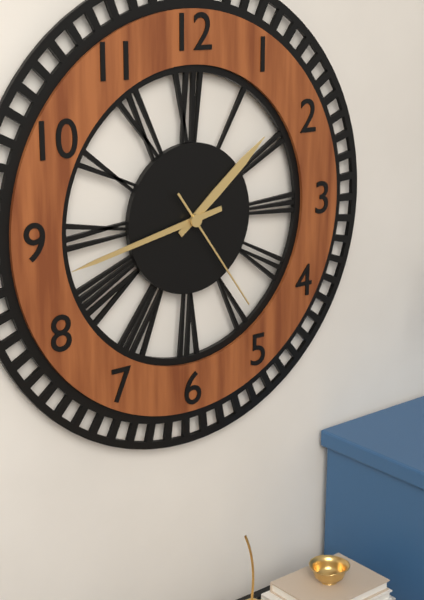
**1:43:24**
